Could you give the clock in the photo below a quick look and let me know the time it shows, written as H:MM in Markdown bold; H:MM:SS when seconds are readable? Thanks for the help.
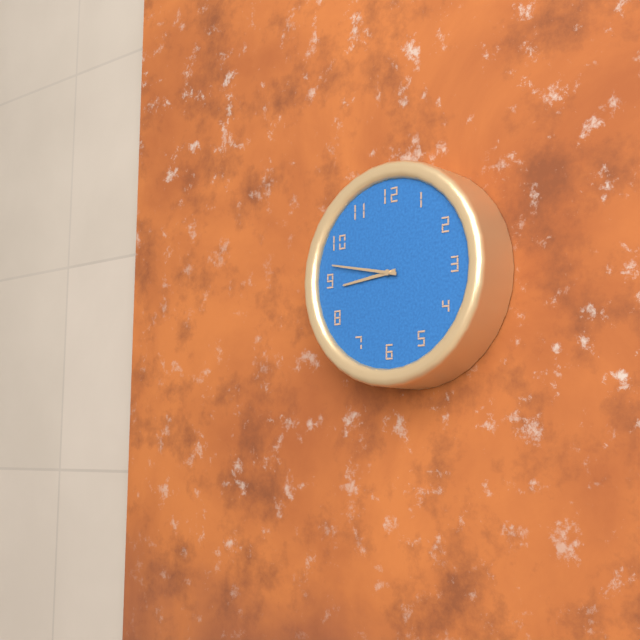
**8:47**
